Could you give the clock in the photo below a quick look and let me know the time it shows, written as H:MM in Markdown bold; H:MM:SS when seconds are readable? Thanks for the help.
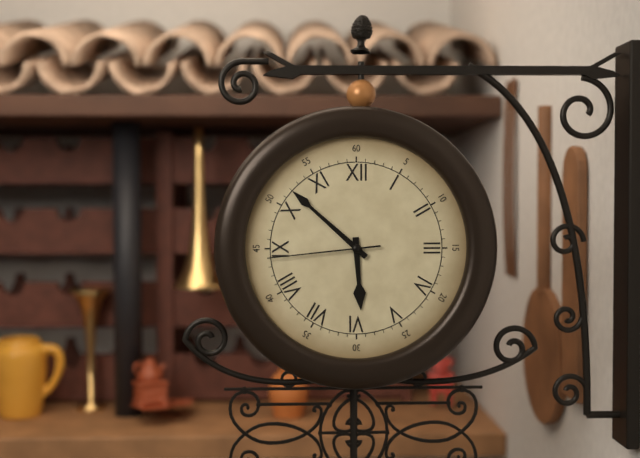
**5:52:44**
